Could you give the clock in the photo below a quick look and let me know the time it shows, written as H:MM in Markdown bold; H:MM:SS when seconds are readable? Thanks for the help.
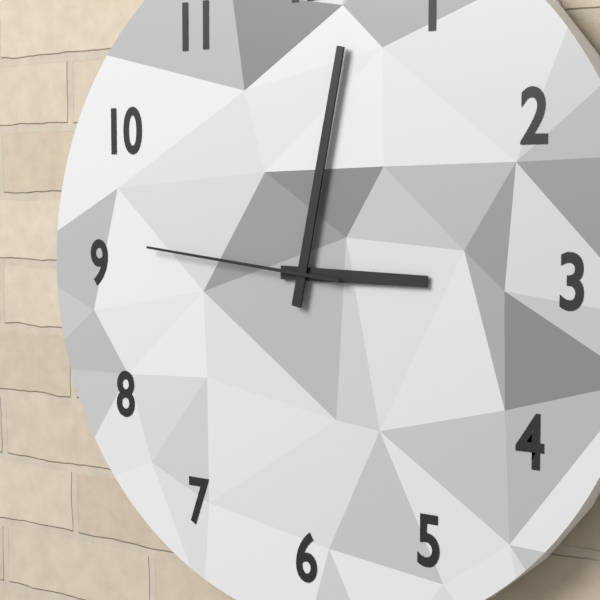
**3:02:46**
